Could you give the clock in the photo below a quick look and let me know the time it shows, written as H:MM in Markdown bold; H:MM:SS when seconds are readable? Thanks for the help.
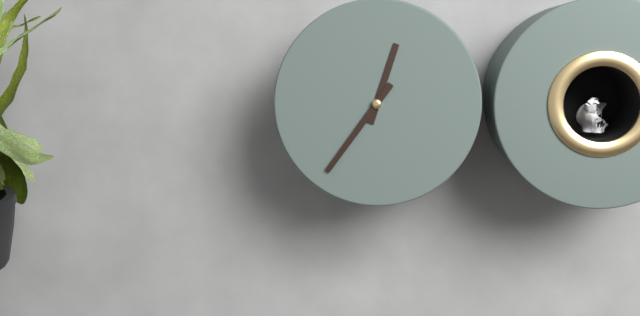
**12:36**
